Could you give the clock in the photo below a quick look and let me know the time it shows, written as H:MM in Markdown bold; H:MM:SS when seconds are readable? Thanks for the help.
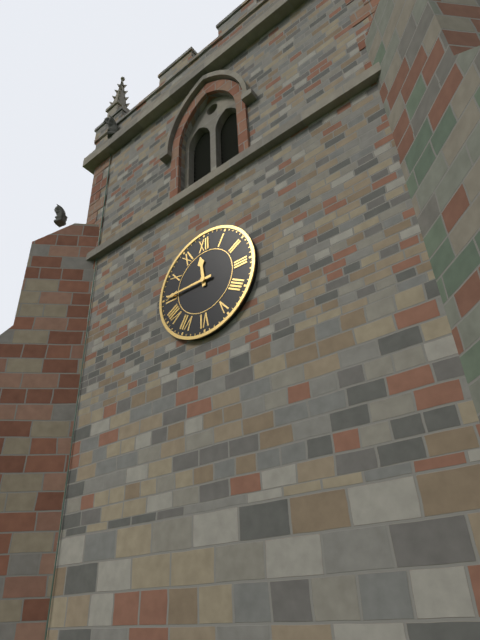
**11:45**
